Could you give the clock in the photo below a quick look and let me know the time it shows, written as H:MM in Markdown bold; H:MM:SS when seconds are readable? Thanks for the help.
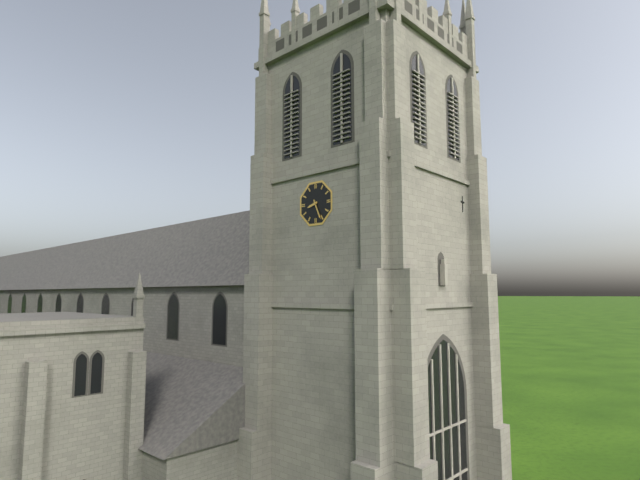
**8:26**
